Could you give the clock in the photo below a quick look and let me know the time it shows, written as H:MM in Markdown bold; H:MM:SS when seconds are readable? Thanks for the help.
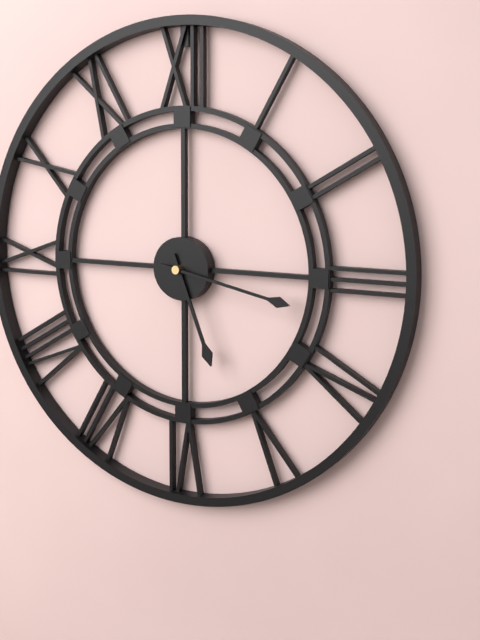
**5:17**
